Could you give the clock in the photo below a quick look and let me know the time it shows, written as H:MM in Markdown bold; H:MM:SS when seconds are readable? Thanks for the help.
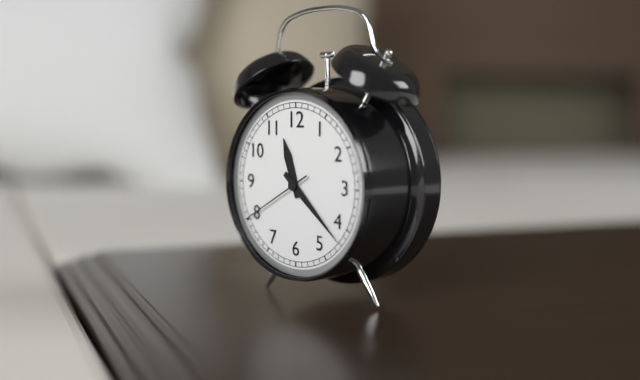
**11:22:40**
